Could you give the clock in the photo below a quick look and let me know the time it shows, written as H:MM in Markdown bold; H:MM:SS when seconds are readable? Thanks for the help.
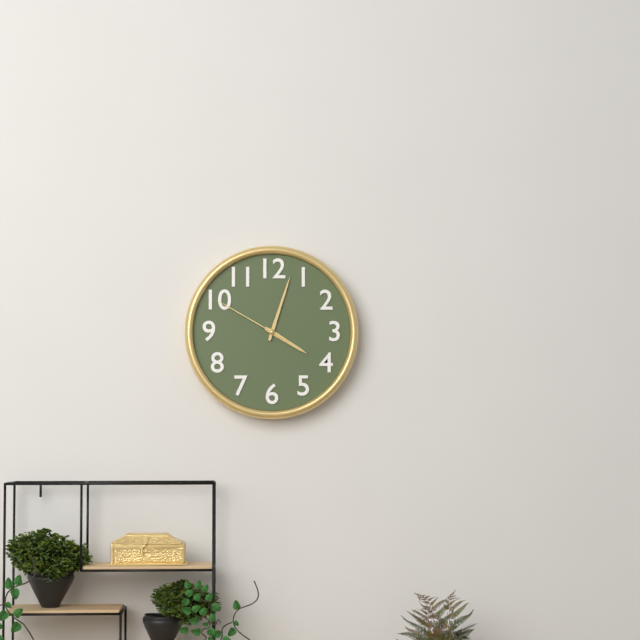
**4:03:50**
